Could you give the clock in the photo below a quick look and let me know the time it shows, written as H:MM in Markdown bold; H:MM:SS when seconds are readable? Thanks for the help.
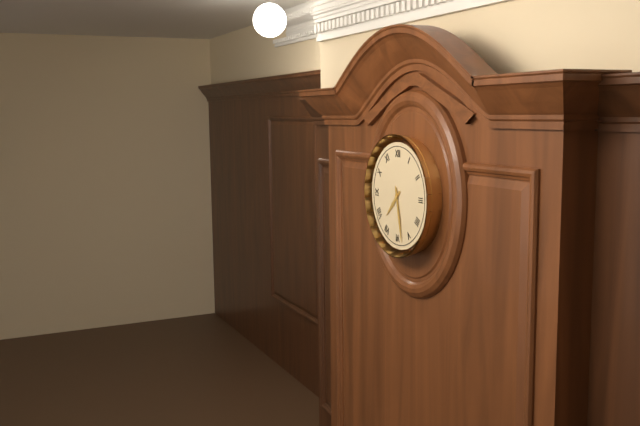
**7:28**
